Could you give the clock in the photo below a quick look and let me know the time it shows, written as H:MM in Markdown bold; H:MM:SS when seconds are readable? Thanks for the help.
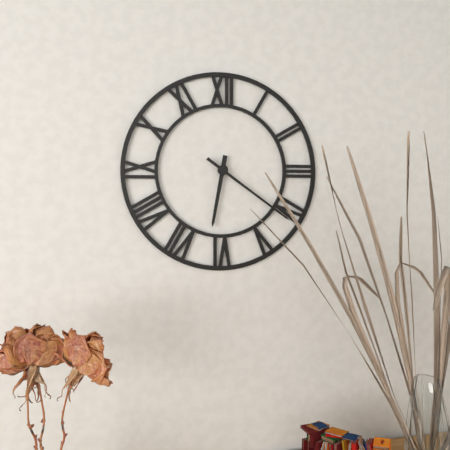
**6:21**
